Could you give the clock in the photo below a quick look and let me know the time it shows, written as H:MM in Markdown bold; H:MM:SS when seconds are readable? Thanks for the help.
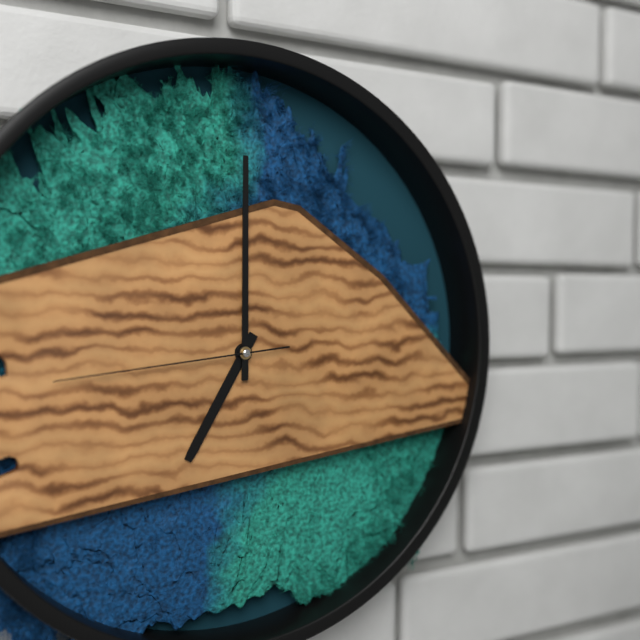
**7:00:44**
